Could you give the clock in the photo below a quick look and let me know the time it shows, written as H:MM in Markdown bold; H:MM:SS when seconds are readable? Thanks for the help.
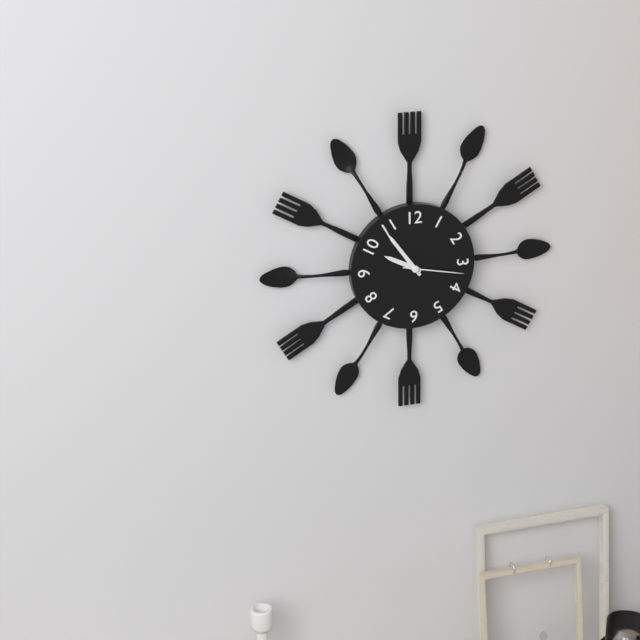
**9:54:17**
